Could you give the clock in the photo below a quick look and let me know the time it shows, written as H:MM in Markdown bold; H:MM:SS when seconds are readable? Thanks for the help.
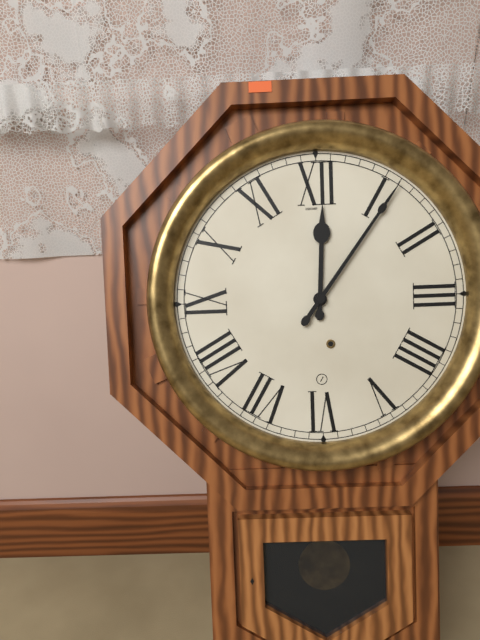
**12:06**
